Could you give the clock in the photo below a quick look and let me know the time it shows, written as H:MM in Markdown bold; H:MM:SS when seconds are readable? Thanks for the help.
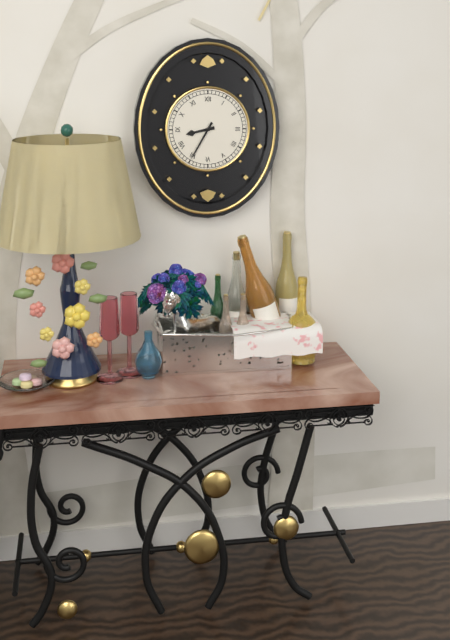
**8:35**
